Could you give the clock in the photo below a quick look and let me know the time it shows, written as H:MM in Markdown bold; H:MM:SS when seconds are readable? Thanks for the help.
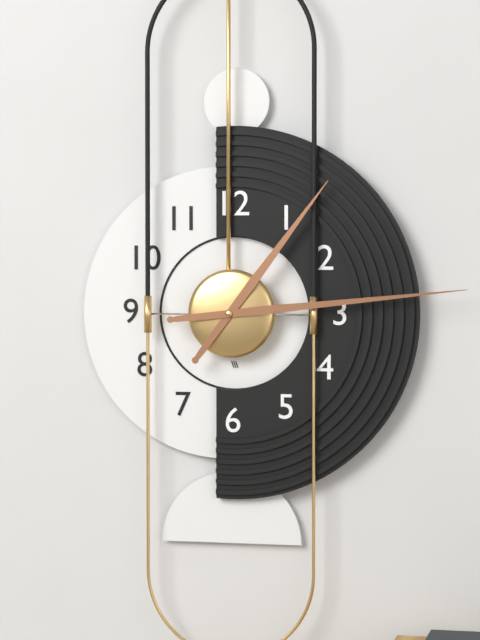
**1:14**
